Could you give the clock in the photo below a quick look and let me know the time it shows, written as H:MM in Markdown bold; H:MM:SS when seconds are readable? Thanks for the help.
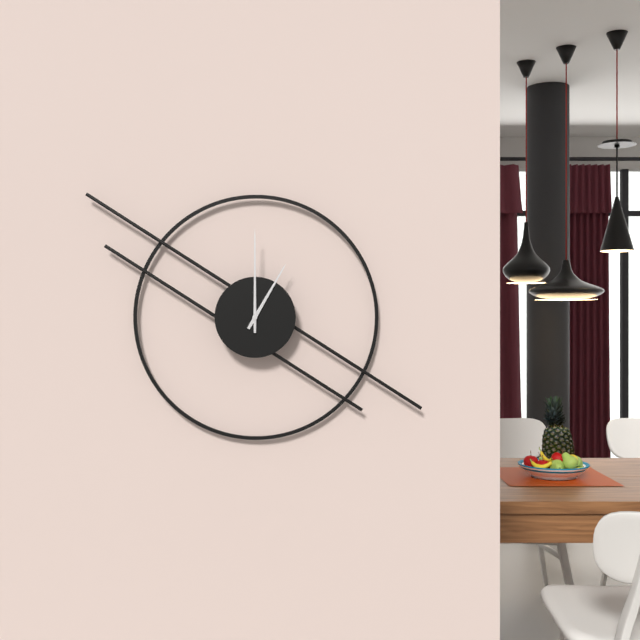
**1:00**
